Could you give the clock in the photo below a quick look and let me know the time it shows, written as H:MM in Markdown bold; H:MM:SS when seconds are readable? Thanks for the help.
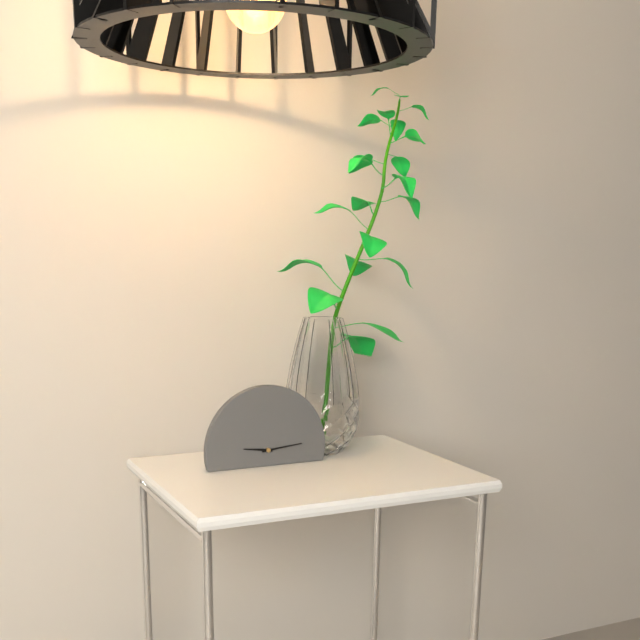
**9:14**
